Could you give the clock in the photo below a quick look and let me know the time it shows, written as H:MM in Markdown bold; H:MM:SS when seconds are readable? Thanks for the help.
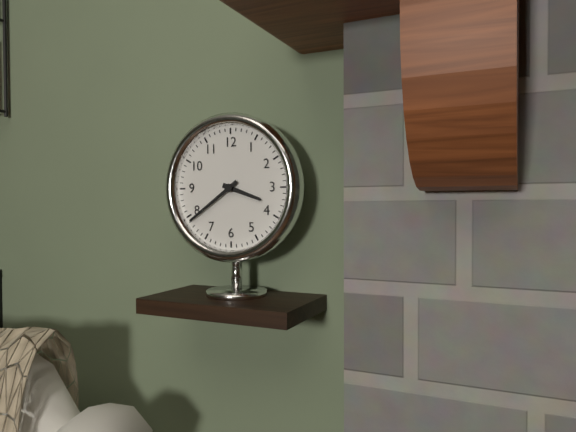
**3:39**
